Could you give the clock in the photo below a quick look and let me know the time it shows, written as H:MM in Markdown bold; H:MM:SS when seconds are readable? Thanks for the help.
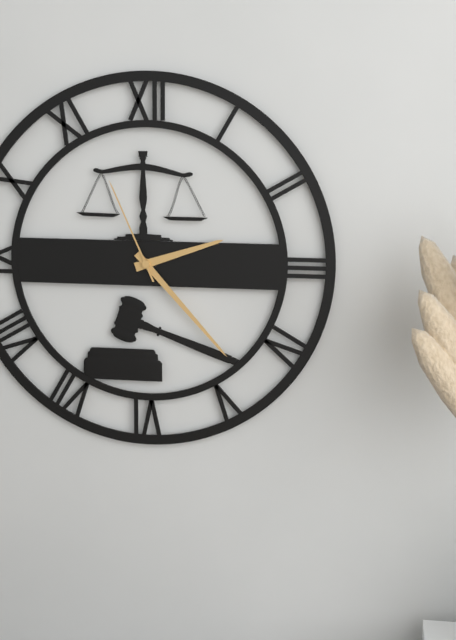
**2:23:56**
